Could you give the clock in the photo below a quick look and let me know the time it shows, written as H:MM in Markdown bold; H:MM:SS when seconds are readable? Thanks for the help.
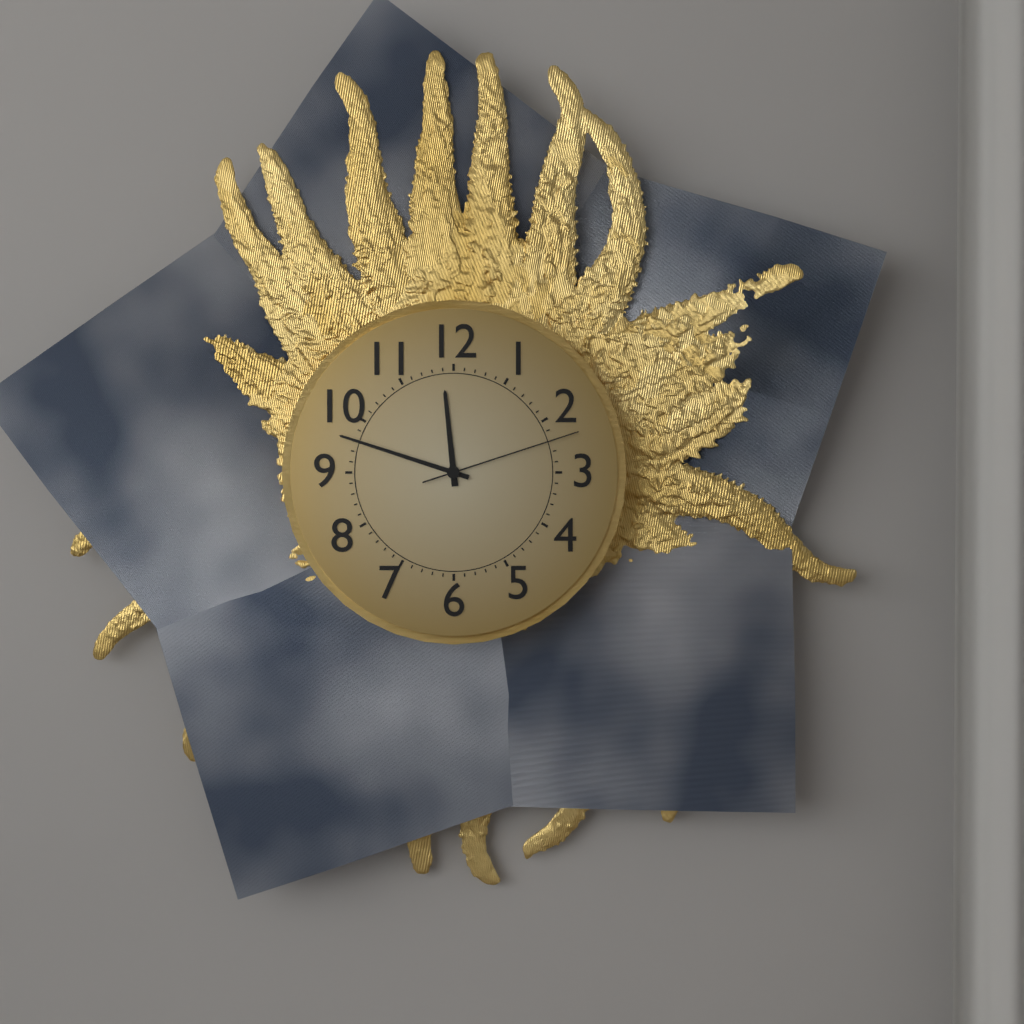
**11:48:12**
